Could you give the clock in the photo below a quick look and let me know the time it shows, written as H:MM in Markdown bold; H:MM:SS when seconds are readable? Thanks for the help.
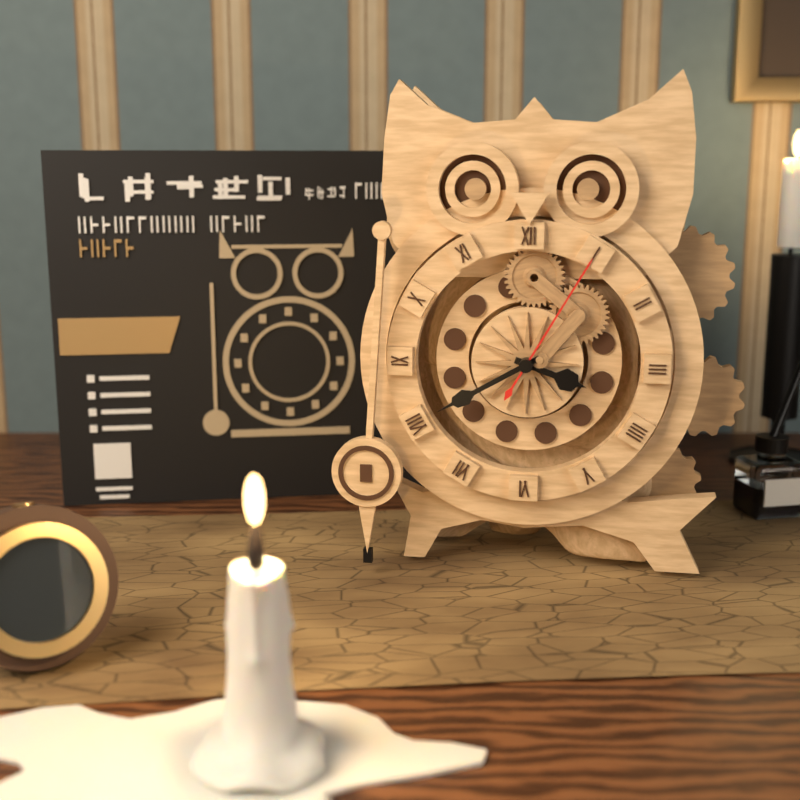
**3:40:05**
